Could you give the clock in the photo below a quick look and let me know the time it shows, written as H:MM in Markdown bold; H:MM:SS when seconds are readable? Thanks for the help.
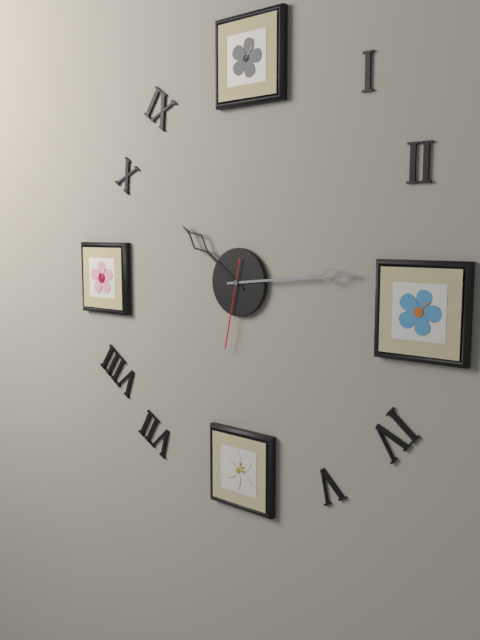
**10:14:32**
